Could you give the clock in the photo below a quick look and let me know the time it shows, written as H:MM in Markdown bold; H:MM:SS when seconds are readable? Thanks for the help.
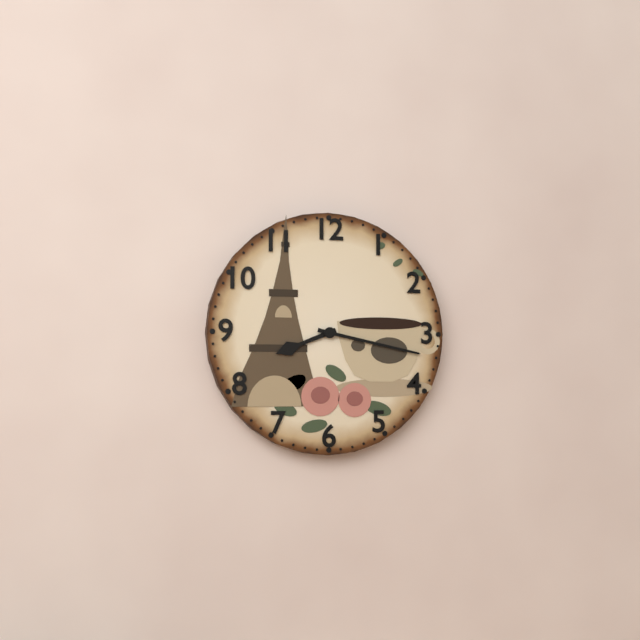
**8:17**
